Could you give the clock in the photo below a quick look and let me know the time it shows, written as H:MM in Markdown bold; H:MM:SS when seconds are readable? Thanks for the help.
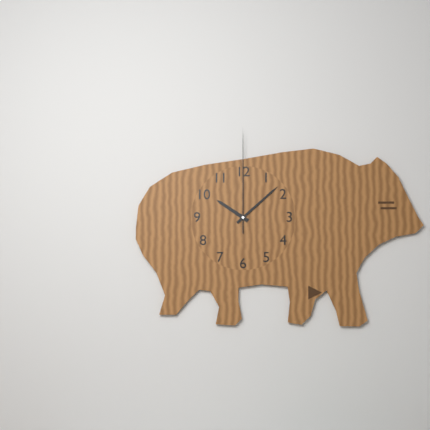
**10:08:00**
